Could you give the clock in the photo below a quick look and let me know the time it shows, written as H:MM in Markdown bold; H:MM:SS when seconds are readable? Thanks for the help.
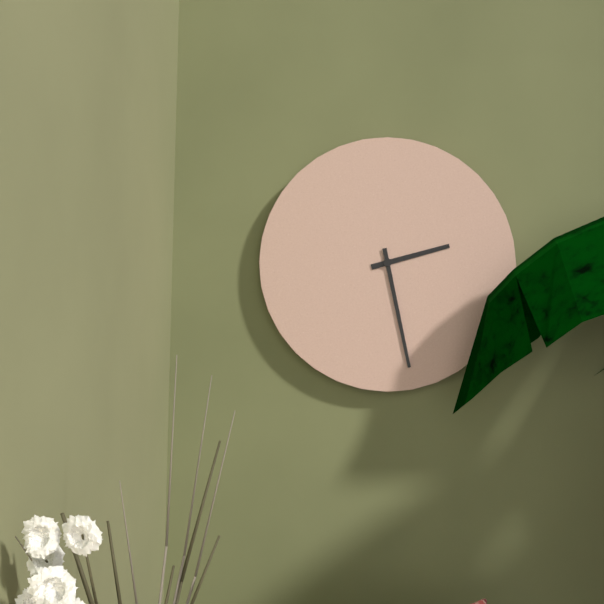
**2:28**
